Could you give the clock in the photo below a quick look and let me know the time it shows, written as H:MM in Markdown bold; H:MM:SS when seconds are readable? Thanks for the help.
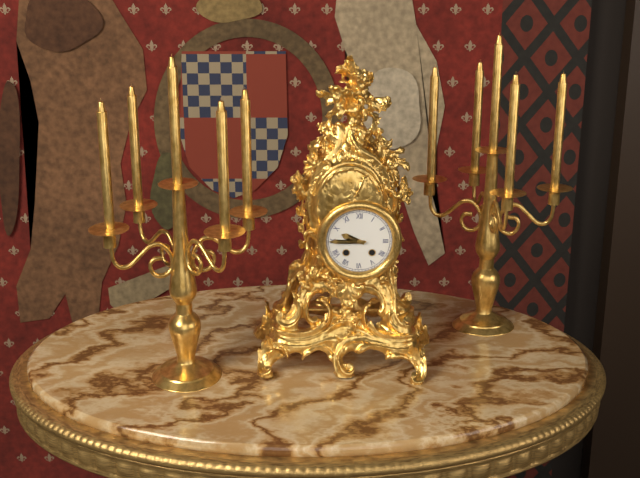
**9:45**
